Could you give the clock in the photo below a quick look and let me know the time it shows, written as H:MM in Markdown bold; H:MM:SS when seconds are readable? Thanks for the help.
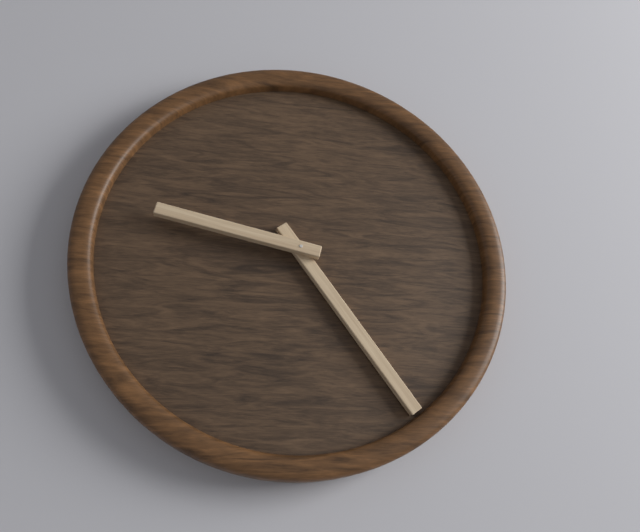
**9:24**
